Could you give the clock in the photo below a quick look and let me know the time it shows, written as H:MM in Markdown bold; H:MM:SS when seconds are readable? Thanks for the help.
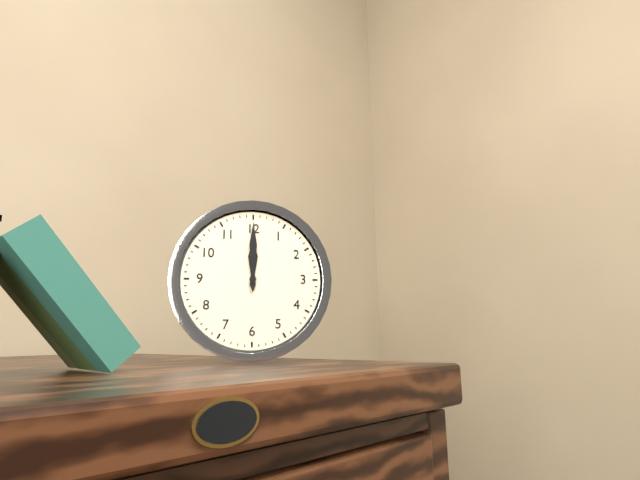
**12:00**
